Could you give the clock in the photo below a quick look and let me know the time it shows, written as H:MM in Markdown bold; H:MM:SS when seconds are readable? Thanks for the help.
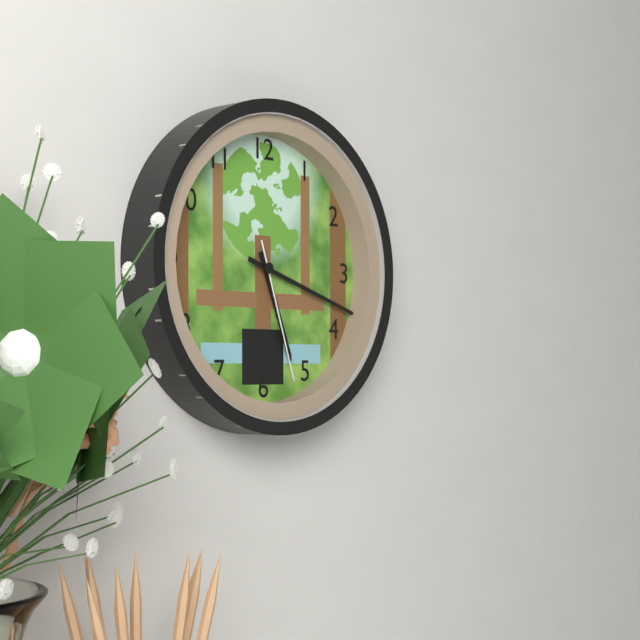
**5:18:27**
